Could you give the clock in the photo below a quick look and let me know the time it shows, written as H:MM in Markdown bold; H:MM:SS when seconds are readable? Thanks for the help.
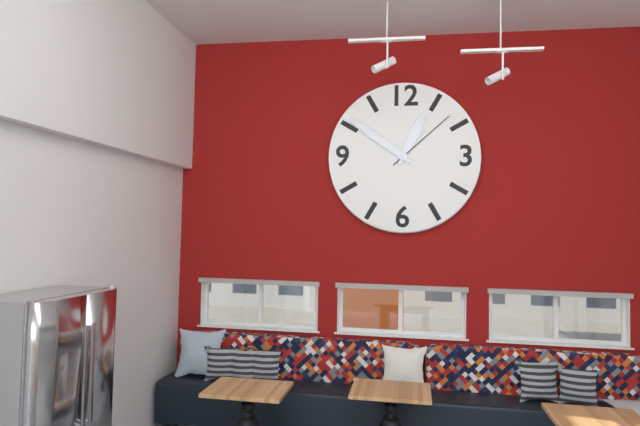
**12:51:08**
